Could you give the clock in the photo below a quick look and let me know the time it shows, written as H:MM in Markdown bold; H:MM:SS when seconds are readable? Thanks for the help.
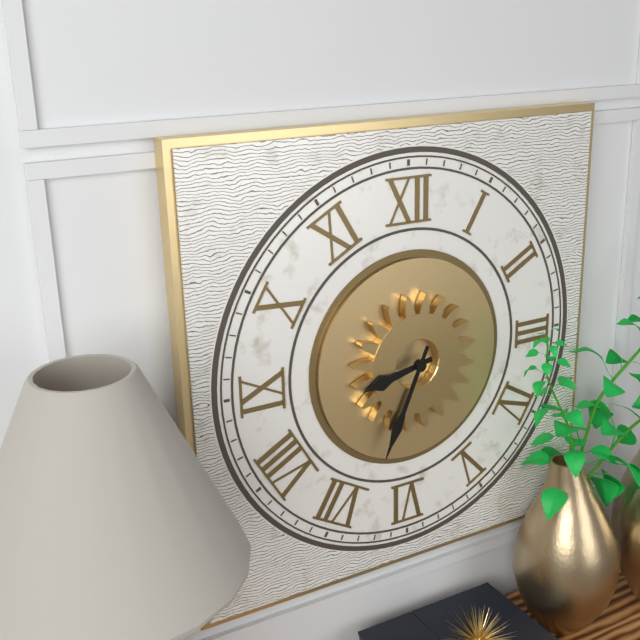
**8:34**
